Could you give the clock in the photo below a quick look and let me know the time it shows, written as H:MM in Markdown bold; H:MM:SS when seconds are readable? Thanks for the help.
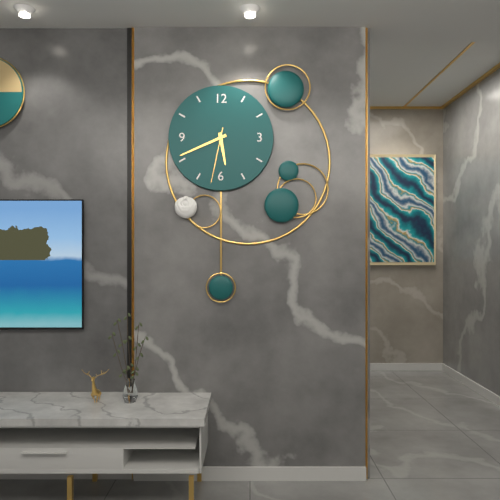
**5:41:32**
